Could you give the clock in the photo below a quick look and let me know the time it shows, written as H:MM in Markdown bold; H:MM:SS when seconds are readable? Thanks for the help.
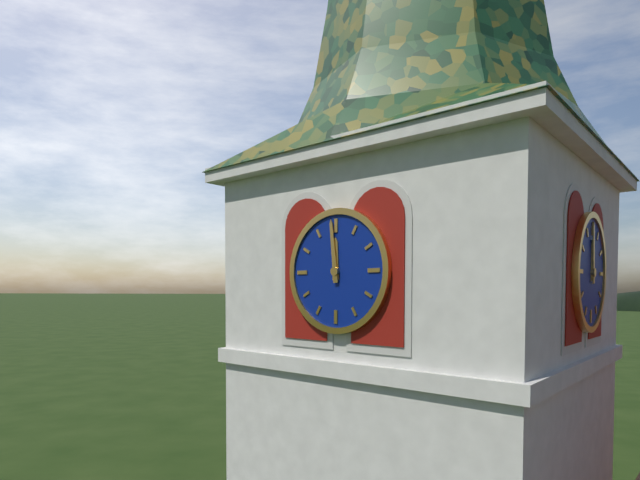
**11:59**
